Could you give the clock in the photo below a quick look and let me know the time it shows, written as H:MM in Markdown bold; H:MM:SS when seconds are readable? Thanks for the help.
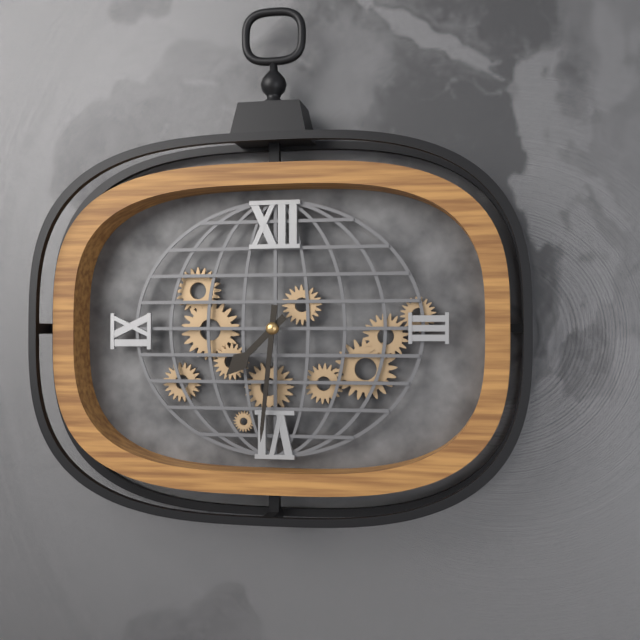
**7:31**
